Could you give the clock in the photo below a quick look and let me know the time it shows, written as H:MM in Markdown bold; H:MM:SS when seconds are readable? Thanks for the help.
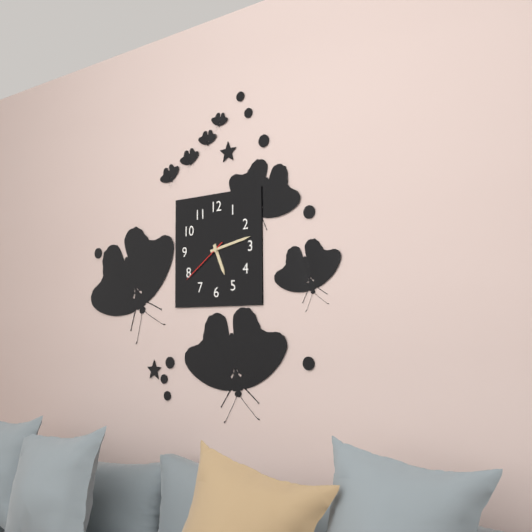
**5:13:39**
